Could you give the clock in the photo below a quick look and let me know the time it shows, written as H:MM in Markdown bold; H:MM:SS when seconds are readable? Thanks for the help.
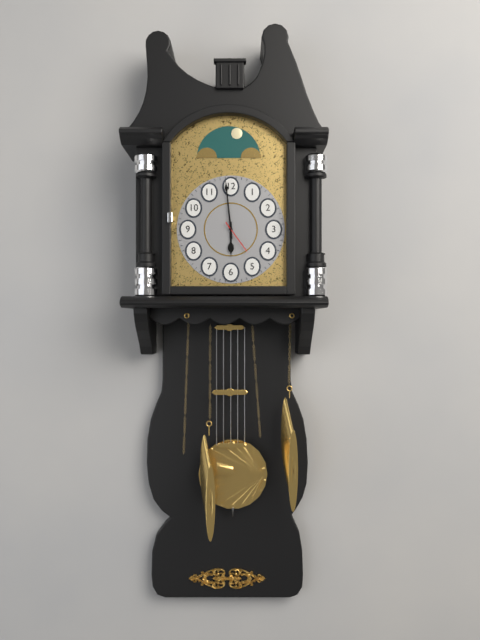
**5:59**
